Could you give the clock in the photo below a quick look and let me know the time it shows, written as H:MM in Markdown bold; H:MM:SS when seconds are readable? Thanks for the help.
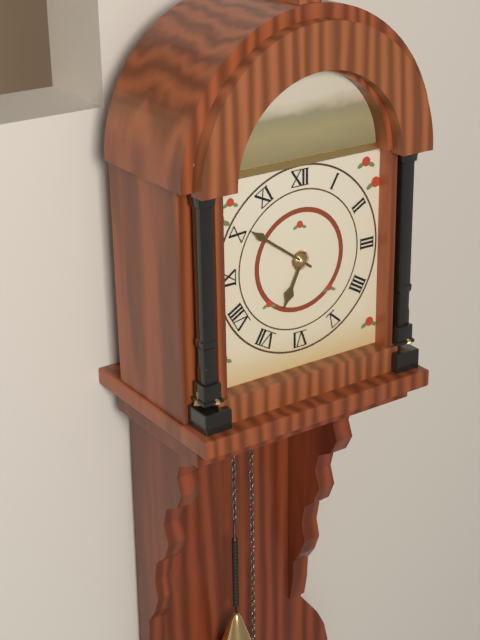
**6:51**
